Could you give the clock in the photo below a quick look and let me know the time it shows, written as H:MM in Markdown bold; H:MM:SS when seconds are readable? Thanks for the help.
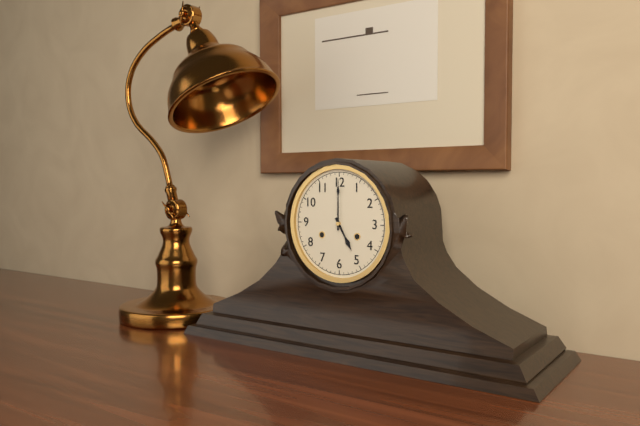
**5:00**
